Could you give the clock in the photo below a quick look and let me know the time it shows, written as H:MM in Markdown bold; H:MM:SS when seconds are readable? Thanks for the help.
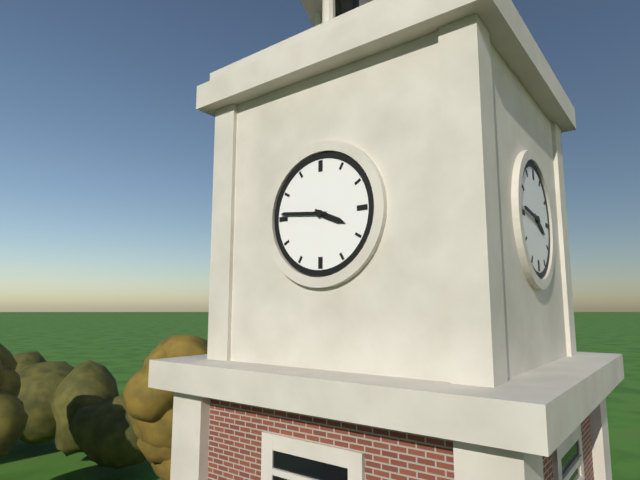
**3:46**
